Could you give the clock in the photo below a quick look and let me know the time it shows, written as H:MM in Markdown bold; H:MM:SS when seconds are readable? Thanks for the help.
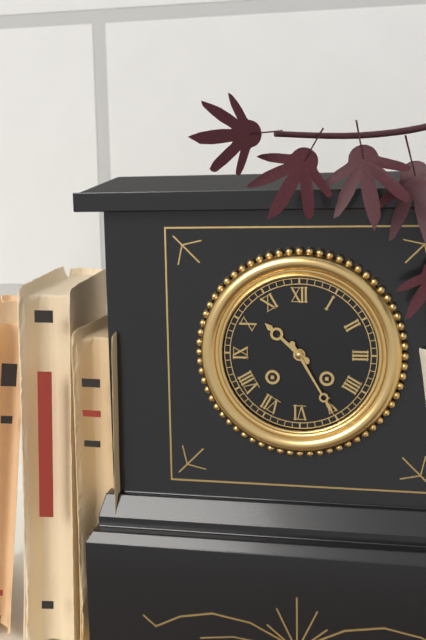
**10:25**
